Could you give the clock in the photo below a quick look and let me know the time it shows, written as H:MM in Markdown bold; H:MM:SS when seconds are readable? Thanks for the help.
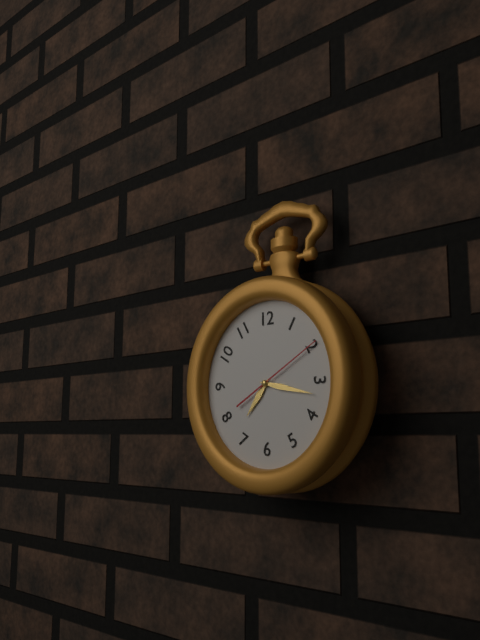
**7:17:10**
